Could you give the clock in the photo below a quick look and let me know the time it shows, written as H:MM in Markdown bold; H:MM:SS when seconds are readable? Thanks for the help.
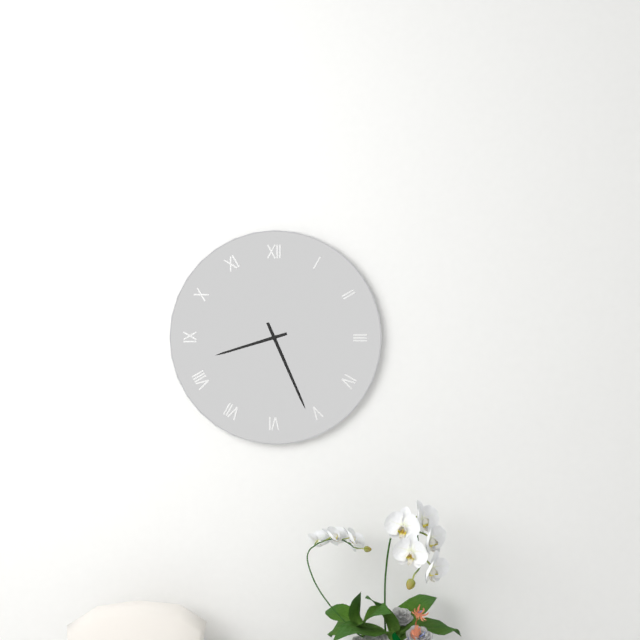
**8:26**
